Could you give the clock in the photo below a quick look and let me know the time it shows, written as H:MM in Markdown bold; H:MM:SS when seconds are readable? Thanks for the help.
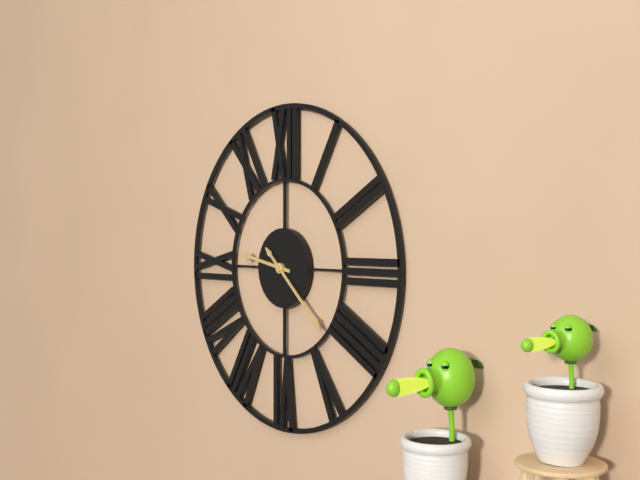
**9:22**
